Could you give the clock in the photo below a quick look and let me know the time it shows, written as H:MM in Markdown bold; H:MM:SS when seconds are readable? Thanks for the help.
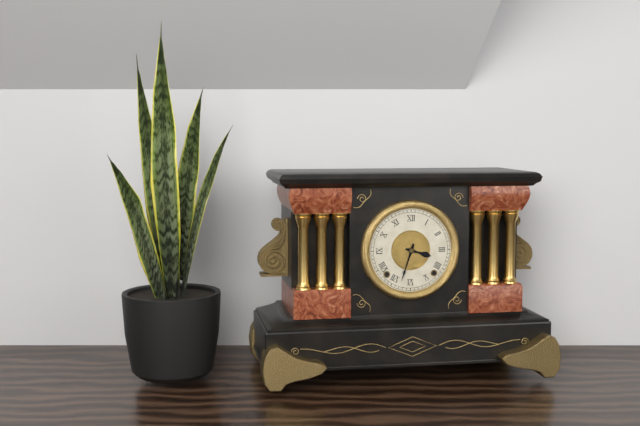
**3:33**
